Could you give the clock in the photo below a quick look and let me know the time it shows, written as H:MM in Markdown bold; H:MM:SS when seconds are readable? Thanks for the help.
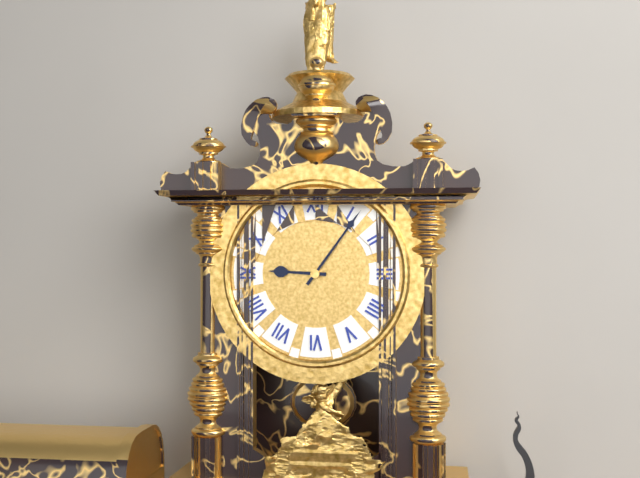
**9:06**
